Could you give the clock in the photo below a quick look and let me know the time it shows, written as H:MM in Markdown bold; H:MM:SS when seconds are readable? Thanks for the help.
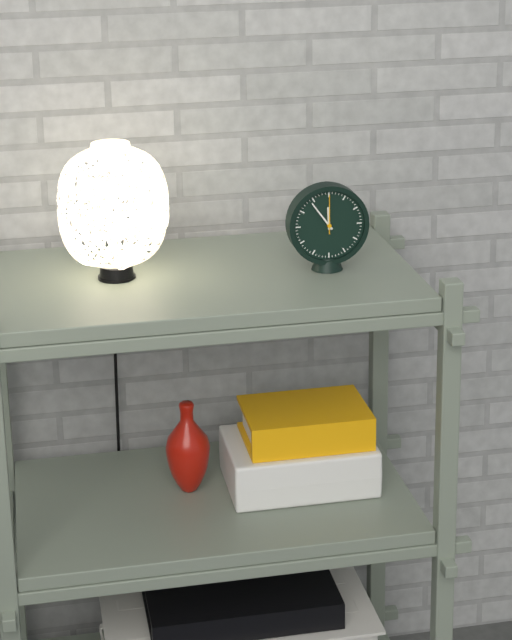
**11:54**
